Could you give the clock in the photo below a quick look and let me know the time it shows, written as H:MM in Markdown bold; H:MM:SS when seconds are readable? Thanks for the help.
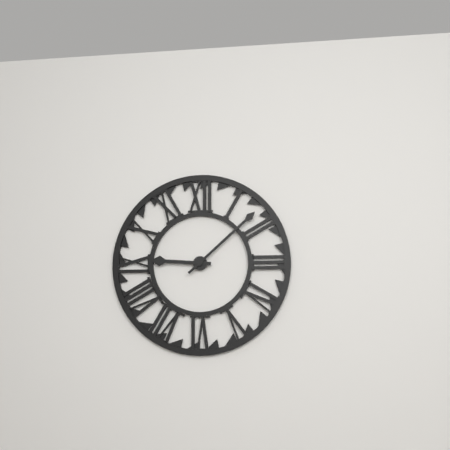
**9:08**
